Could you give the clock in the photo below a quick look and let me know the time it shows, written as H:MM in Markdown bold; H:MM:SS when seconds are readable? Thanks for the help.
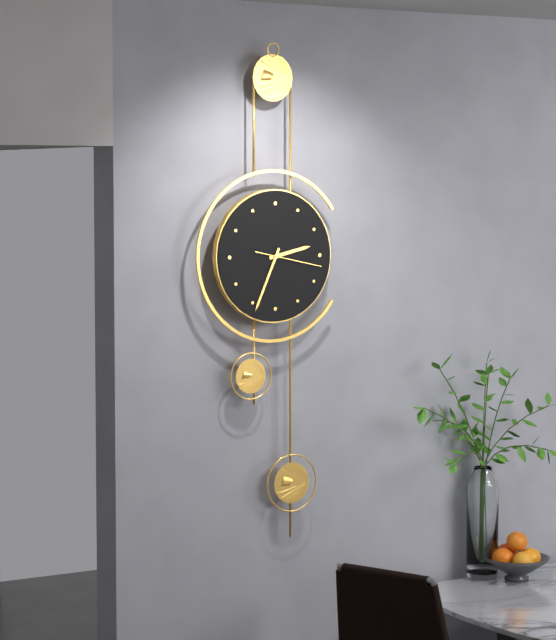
**2:34:17**
